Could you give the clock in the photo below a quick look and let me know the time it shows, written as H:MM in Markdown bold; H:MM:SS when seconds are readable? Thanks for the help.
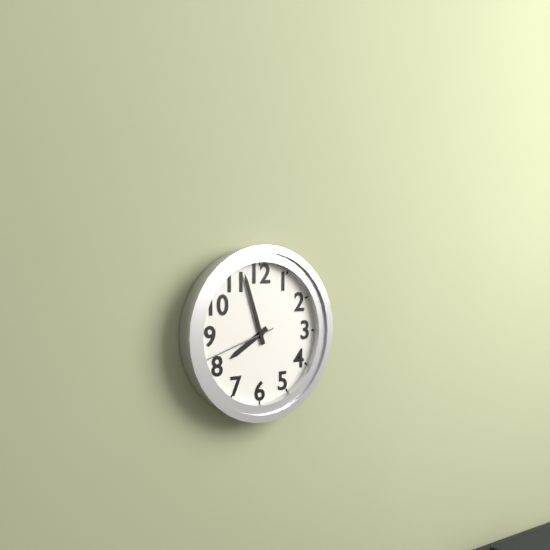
**7:57:42**
